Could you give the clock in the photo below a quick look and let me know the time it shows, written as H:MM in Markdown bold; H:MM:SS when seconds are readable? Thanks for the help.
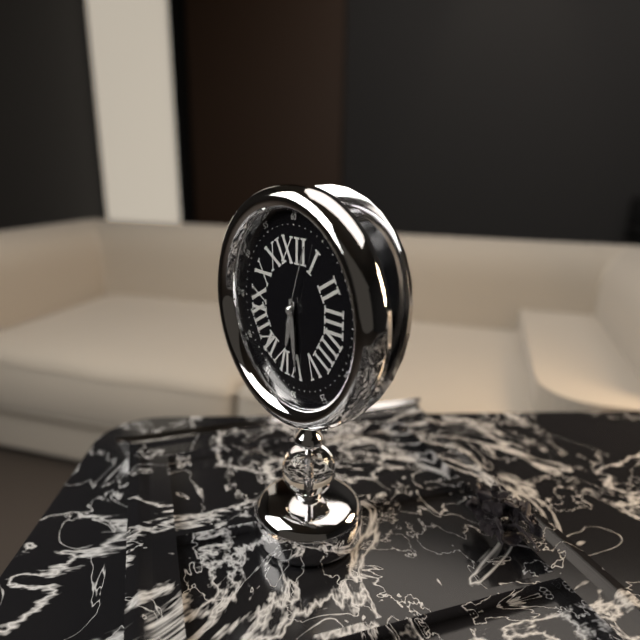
**6:29:03**
